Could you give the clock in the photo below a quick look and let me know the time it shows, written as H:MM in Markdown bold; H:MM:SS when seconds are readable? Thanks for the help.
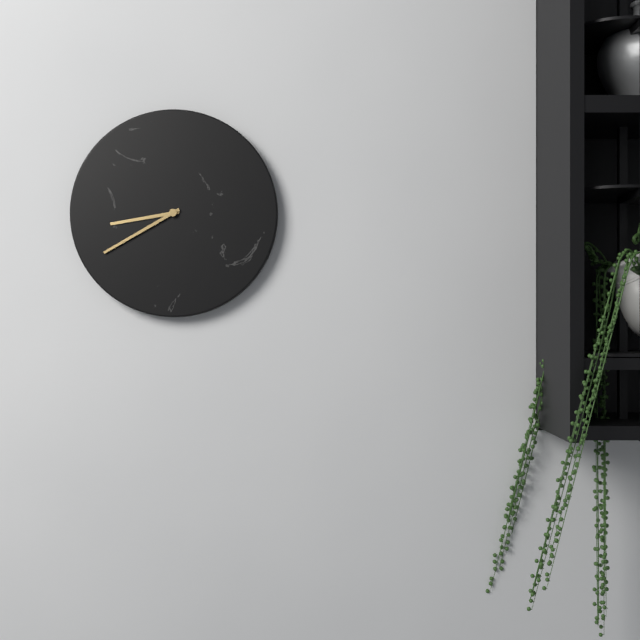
**8:40**
